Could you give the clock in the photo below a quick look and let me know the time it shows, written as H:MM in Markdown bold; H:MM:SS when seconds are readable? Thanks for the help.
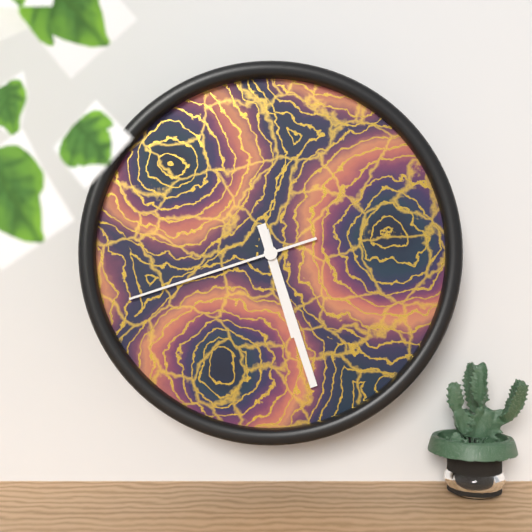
**5:27:42**
